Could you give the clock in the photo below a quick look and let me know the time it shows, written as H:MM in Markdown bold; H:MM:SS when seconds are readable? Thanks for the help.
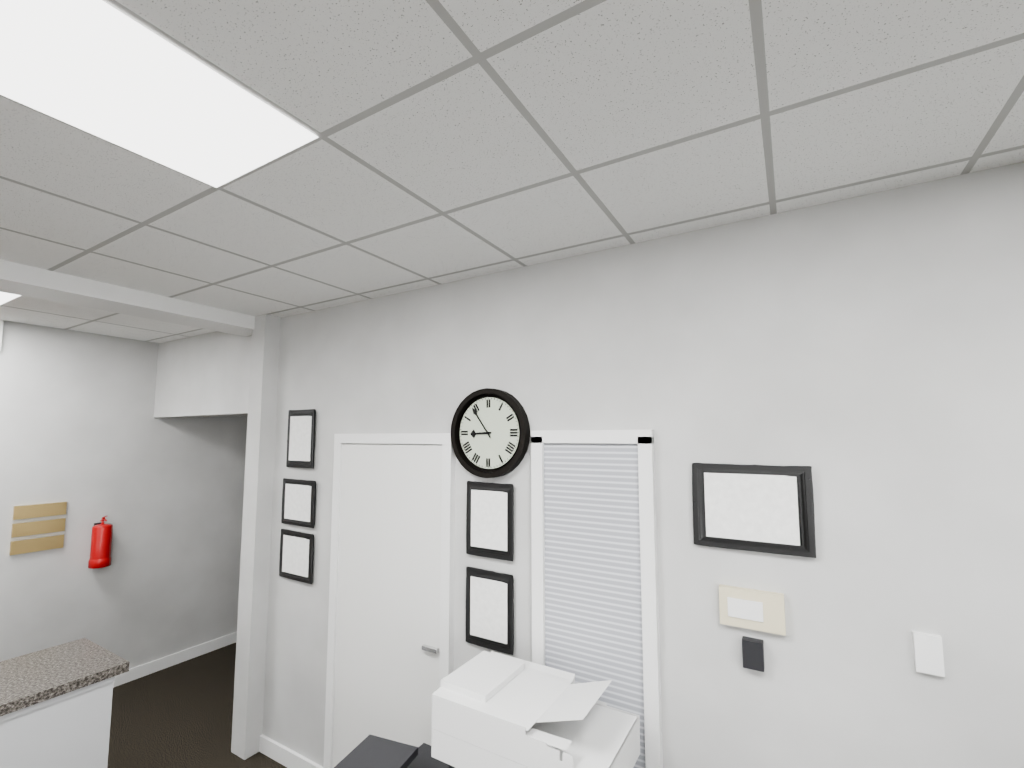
**8:54**
